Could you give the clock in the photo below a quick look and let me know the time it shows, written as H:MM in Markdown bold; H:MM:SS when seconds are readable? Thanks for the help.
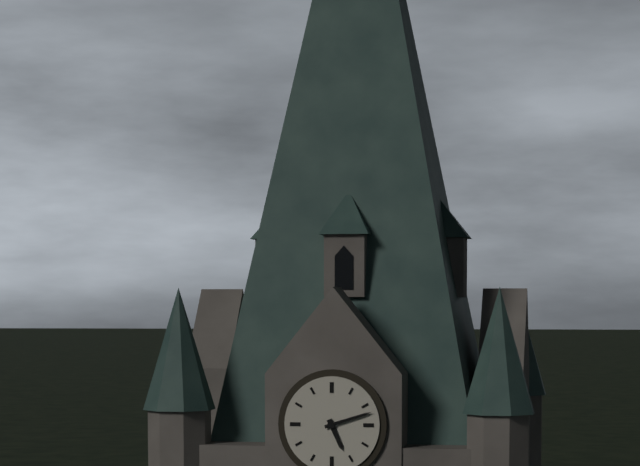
**5:12**
